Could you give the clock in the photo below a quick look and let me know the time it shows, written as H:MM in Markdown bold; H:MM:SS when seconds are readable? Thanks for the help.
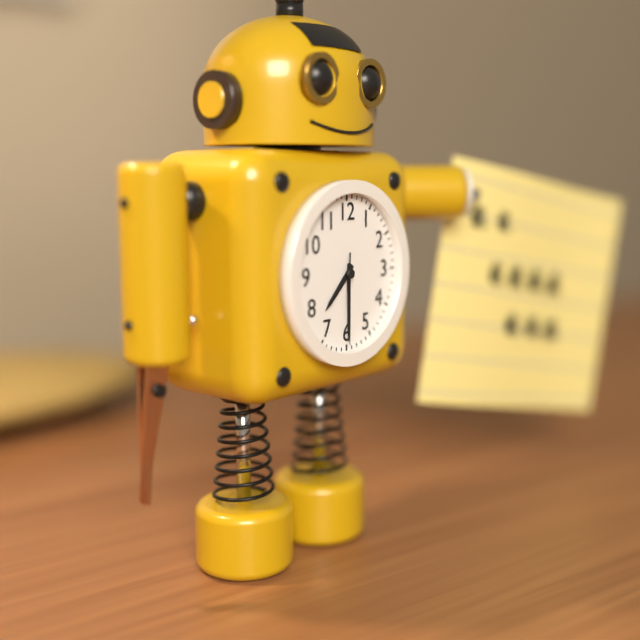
**7:30:30**
